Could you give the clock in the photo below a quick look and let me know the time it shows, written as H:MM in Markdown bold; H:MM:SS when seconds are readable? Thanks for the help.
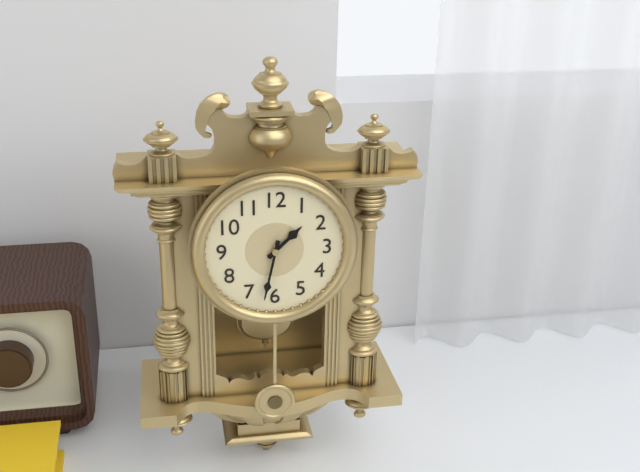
**1:32**
